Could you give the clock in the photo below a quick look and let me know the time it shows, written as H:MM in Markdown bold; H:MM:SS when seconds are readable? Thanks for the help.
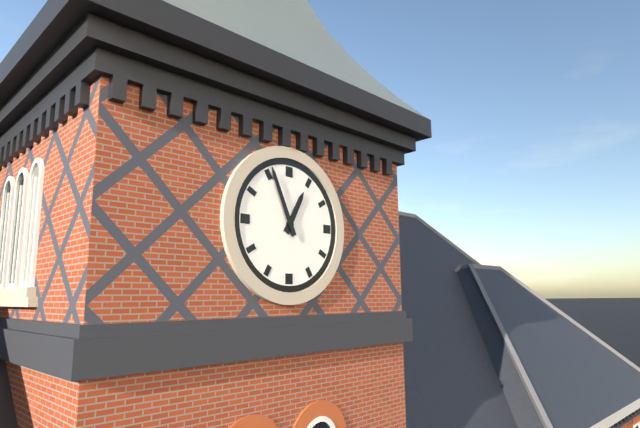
**12:56**
